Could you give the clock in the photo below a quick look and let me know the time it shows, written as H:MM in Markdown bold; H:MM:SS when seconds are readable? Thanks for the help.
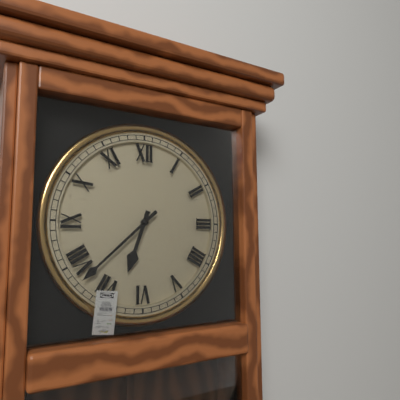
**6:38**
